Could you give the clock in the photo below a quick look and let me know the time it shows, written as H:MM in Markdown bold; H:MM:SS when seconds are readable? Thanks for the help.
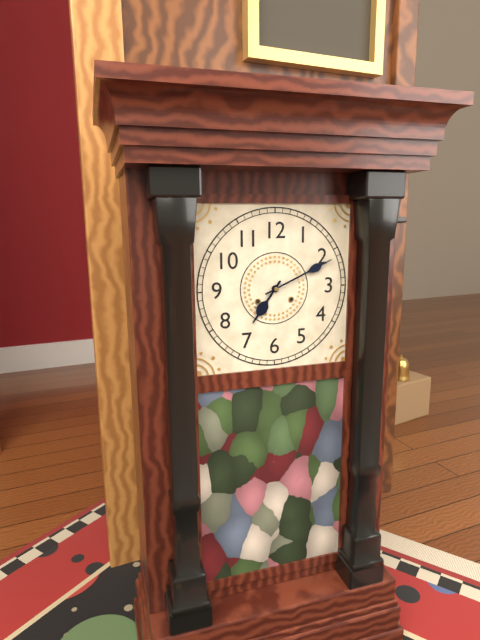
**7:11**
